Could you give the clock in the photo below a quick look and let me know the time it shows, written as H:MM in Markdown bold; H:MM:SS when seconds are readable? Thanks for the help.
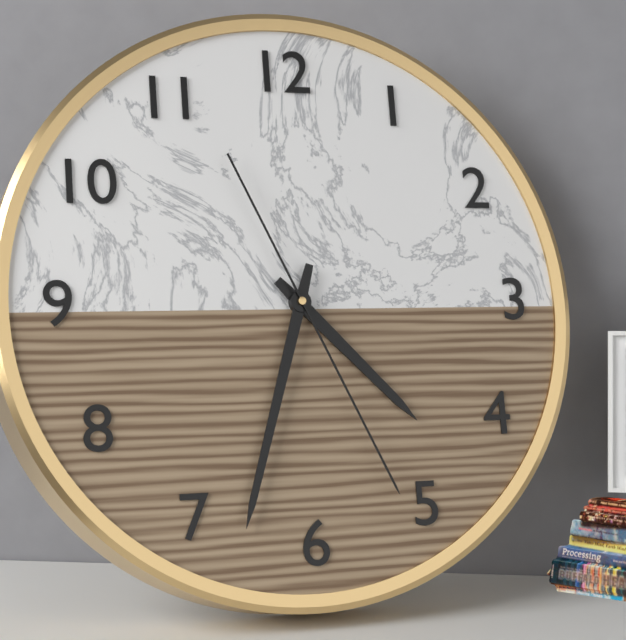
**4:33:26**
